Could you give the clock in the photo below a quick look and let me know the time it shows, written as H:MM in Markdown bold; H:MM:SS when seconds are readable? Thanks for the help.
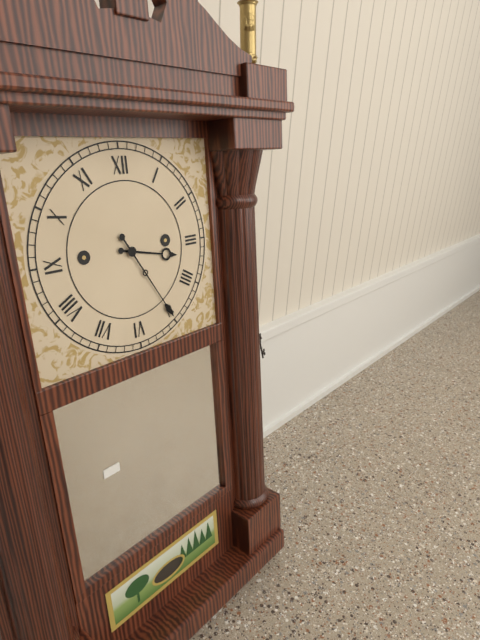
**3:25**
